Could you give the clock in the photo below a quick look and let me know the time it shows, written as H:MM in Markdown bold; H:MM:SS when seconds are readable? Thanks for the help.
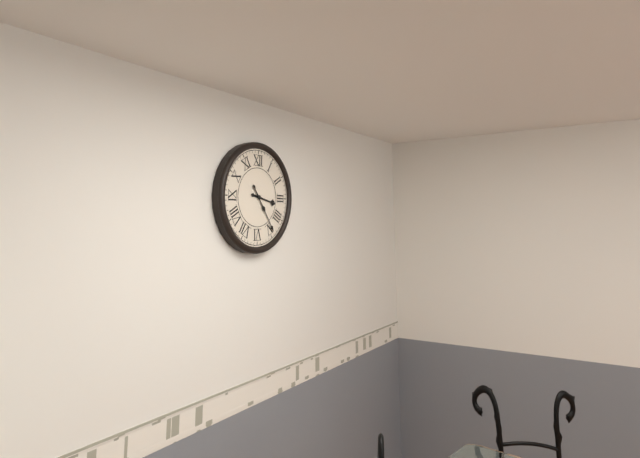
**3:24**
